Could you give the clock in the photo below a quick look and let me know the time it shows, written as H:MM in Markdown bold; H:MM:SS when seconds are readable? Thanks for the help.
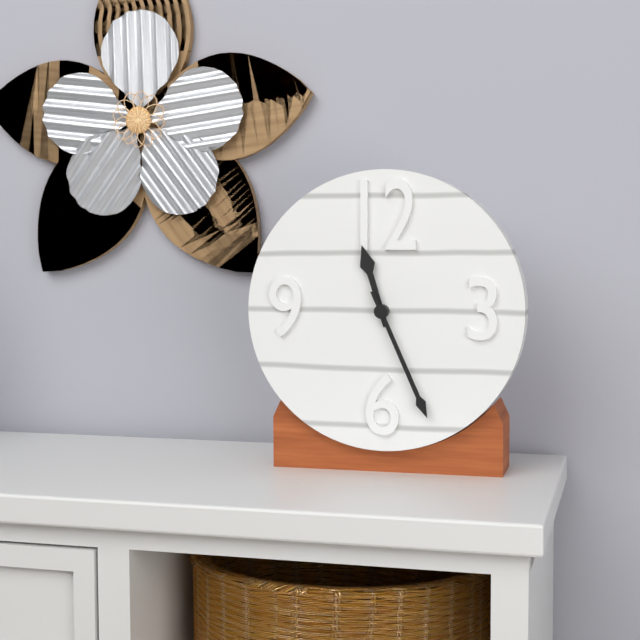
**11:26**
